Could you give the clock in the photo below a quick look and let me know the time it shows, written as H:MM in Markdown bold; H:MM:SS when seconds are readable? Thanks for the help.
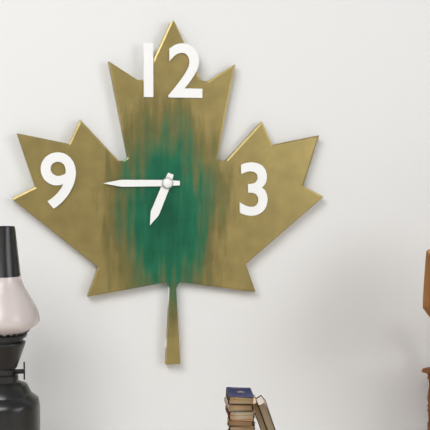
**6:45**
